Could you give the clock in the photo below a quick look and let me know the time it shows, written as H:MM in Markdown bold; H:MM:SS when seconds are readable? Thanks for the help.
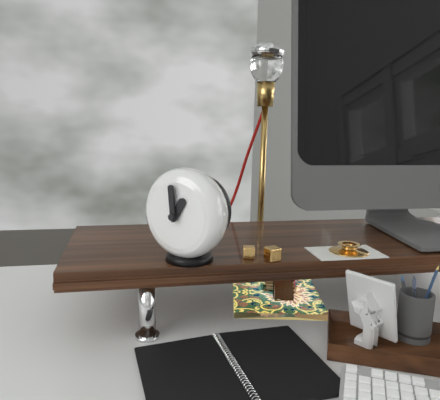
**12:59**
